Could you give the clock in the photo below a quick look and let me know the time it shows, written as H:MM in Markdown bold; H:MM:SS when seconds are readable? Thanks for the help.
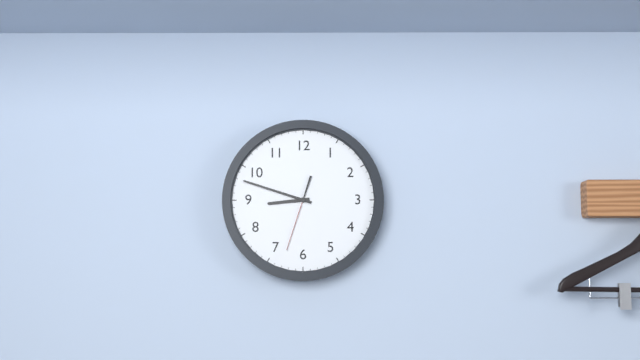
**8:48:33**
